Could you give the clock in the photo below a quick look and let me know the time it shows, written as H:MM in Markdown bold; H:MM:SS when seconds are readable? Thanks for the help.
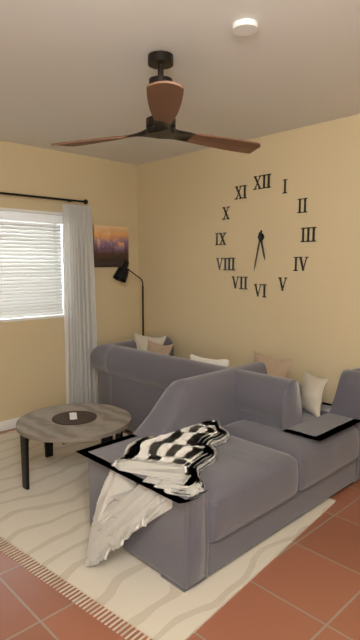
**5:32**
